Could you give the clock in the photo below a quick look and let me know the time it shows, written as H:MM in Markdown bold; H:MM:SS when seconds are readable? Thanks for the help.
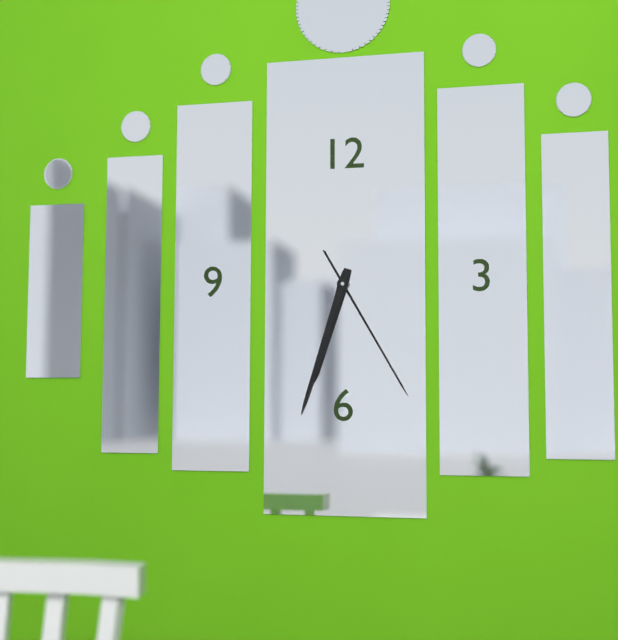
**6:33:25**
